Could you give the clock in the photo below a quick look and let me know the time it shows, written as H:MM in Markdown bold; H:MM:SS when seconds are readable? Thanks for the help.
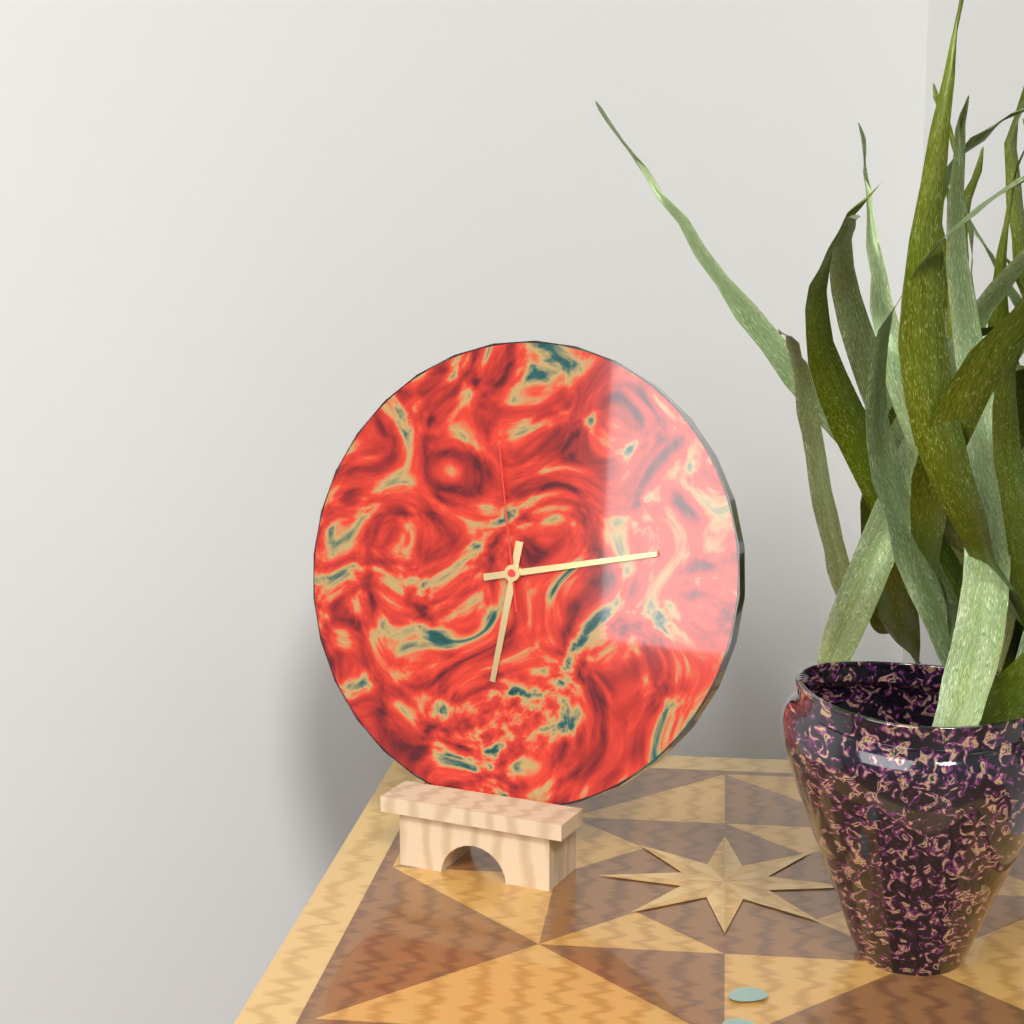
**6:13:58**
